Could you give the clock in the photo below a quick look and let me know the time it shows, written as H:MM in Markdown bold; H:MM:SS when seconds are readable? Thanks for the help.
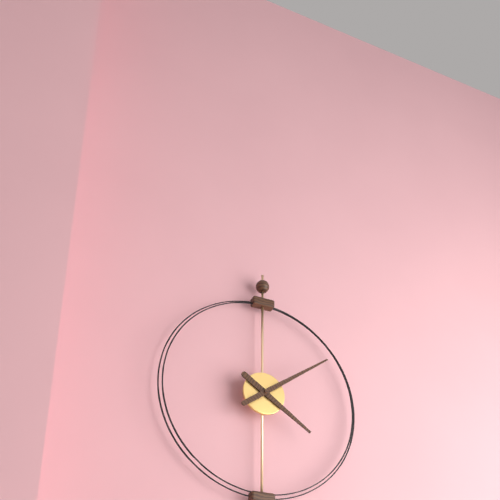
**4:09**
